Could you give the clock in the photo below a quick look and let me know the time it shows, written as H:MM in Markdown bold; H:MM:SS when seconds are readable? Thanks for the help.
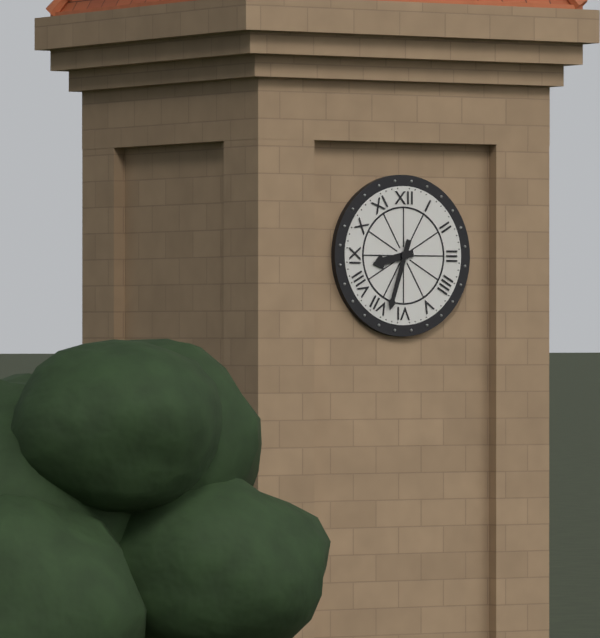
**8:33**
